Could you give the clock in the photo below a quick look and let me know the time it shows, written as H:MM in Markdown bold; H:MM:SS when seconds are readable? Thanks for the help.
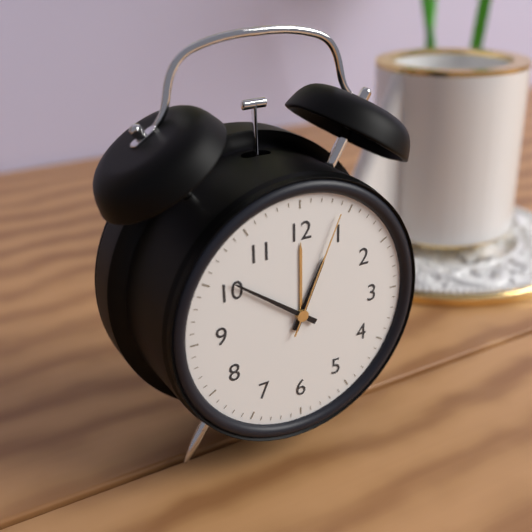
**12:51:04**
